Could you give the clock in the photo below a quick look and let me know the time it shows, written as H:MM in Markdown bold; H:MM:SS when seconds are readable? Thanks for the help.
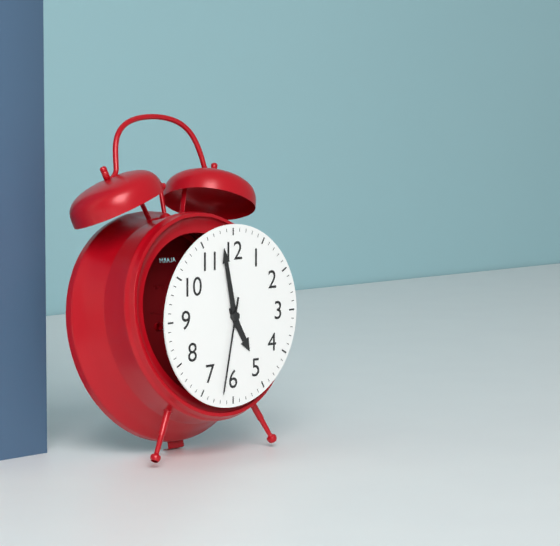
**4:58:32**
